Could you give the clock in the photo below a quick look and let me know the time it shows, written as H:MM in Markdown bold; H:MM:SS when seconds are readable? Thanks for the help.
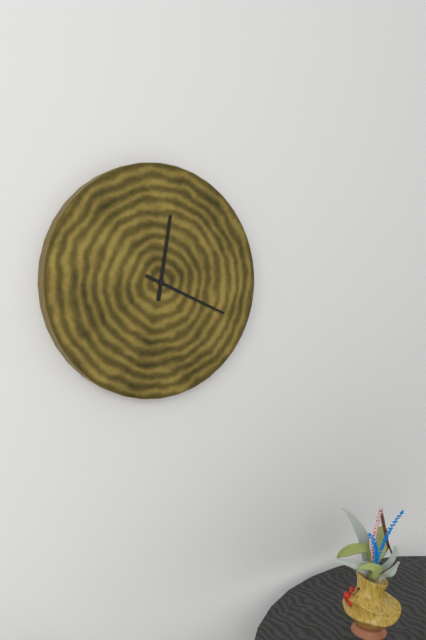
**12:19**
